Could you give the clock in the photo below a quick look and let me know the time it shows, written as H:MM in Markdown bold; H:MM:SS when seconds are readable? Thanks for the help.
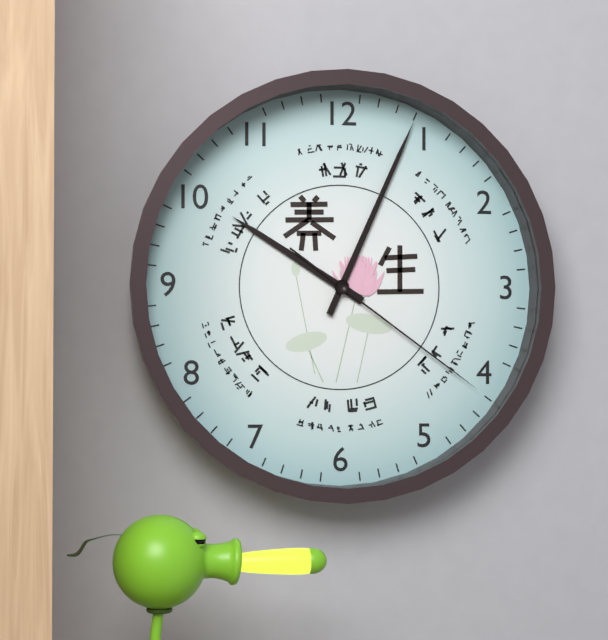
**10:04:21**
